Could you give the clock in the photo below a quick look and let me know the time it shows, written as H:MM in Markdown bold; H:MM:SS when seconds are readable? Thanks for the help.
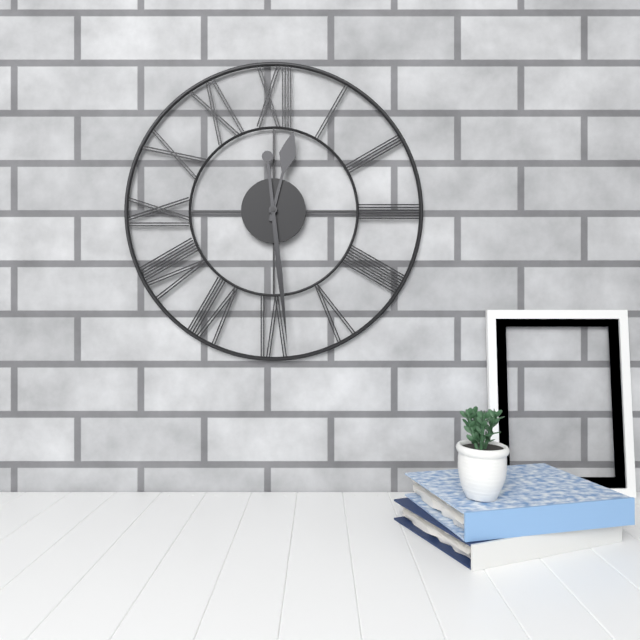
**12:29**
